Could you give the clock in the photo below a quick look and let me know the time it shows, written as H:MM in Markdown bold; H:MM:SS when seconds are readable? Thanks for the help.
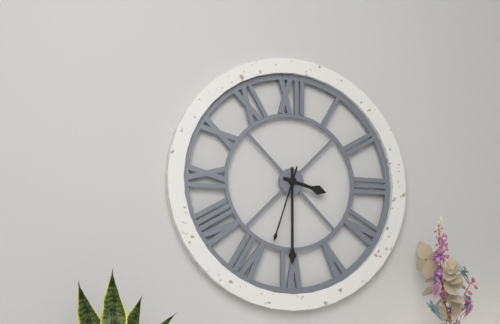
**3:30:33**
